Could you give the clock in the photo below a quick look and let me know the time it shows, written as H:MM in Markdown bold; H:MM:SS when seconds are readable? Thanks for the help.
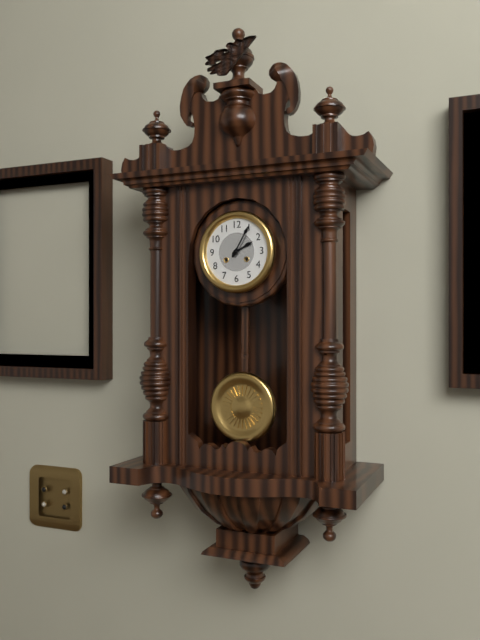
**2:05**
